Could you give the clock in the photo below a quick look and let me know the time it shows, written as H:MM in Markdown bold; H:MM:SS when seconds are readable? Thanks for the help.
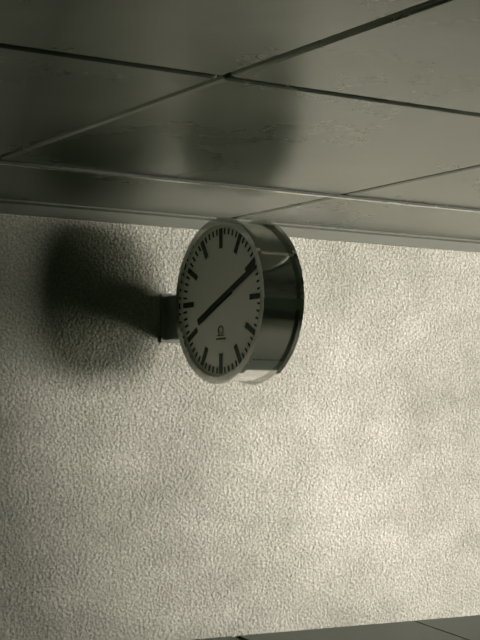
**8:11**
